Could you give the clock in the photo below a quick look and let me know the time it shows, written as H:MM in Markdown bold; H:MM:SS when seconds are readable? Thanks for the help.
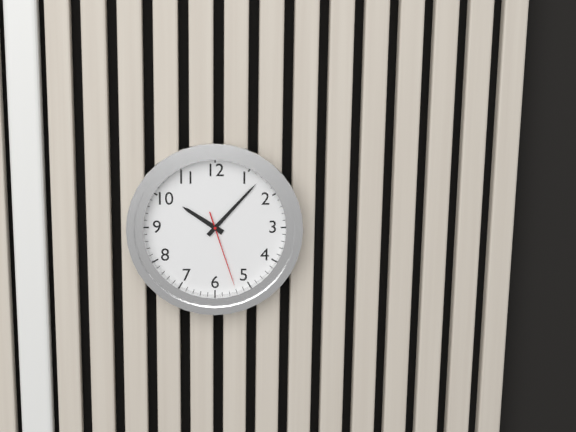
**10:07:27**
